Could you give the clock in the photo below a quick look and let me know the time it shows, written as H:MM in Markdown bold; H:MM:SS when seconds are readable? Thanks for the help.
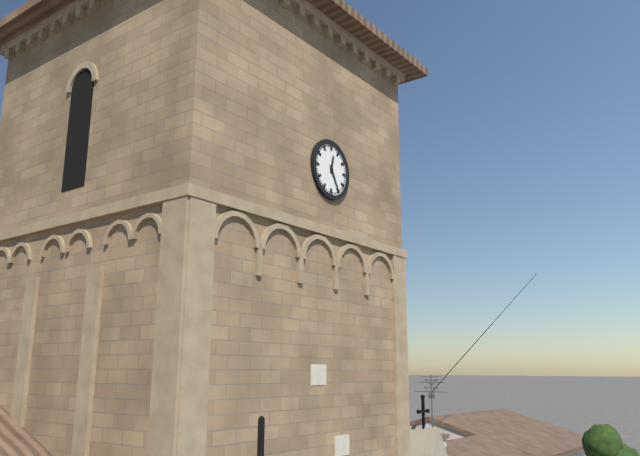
**12:25**
